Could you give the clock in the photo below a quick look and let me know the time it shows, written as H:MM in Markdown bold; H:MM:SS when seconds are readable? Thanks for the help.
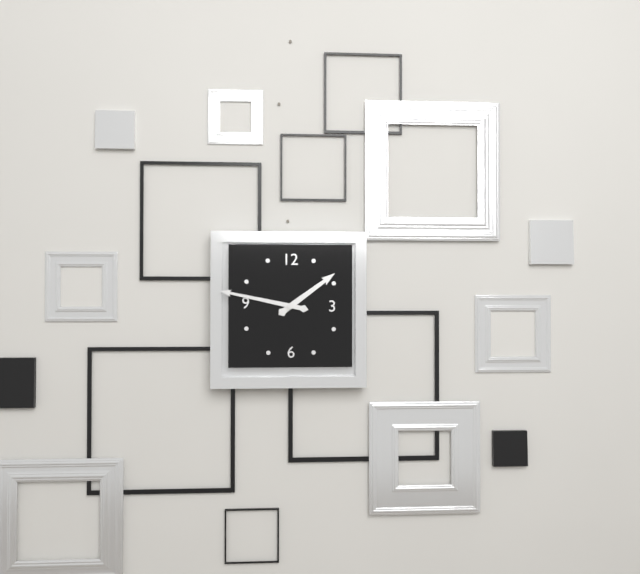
**1:47**
